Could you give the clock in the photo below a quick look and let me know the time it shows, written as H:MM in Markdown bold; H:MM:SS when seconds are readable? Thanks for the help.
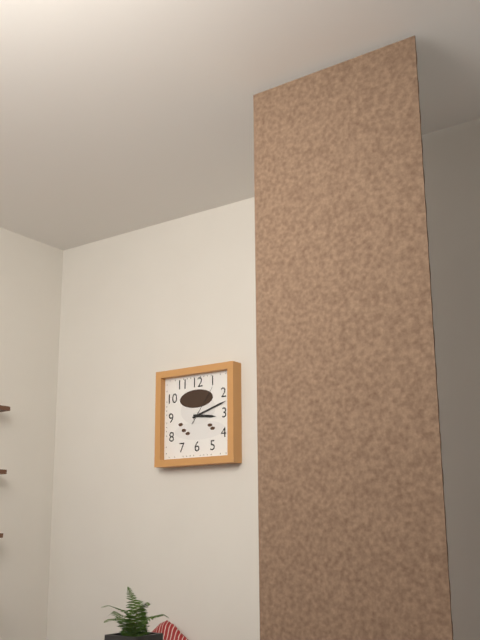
**3:12**
